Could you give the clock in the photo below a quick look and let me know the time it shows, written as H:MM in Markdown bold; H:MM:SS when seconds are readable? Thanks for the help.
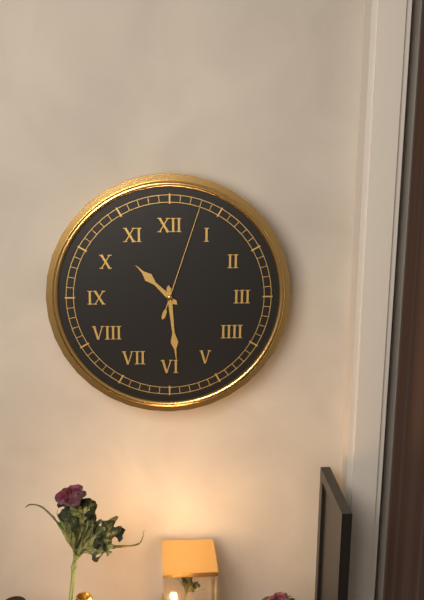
**10:29:03**
